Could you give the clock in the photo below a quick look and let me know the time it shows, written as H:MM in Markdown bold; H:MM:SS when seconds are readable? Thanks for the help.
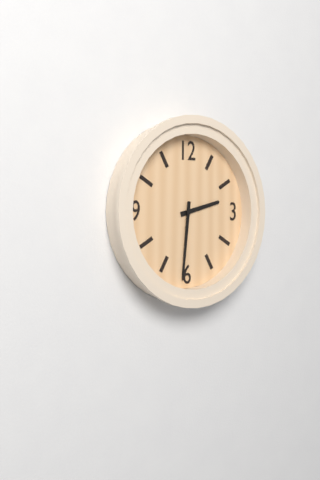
**2:31**
